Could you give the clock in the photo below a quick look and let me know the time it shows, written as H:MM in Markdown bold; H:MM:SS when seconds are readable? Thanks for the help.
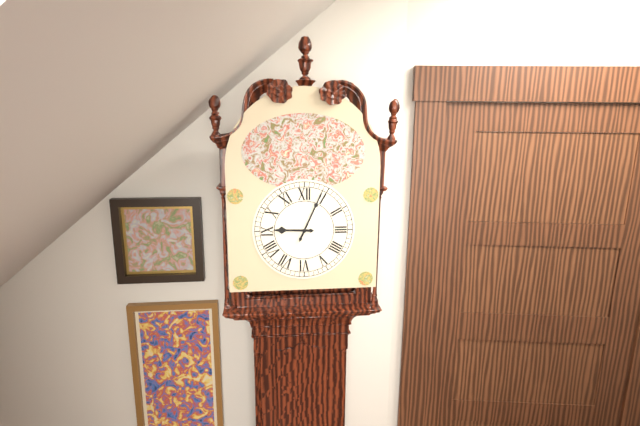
**9:04**
